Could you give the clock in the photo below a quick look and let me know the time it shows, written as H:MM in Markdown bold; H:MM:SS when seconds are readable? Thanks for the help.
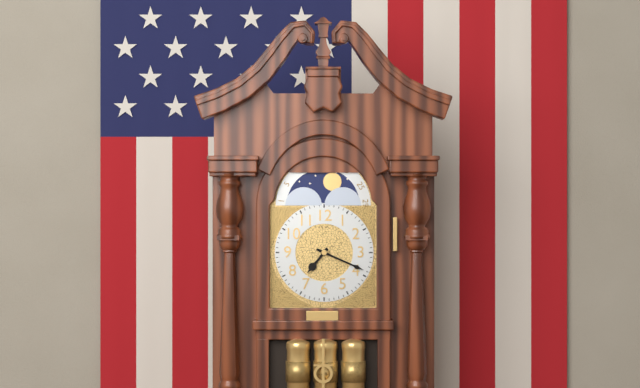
**7:19**
